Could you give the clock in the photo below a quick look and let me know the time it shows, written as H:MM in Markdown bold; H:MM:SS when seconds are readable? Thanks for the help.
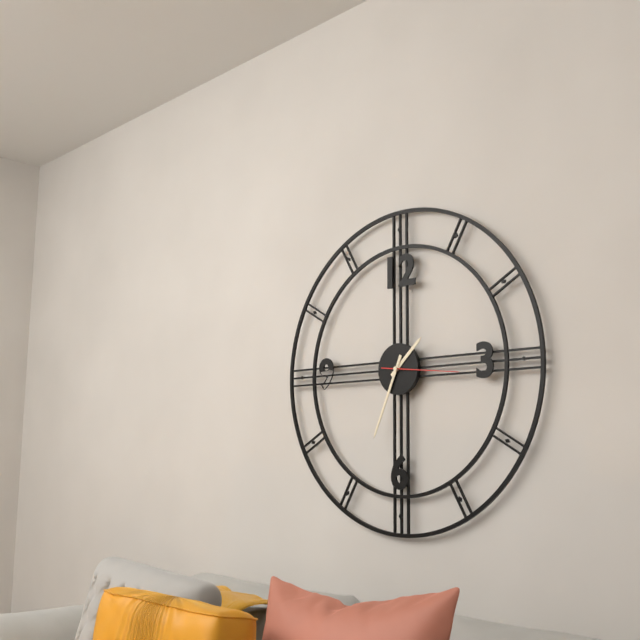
**1:34:16**
